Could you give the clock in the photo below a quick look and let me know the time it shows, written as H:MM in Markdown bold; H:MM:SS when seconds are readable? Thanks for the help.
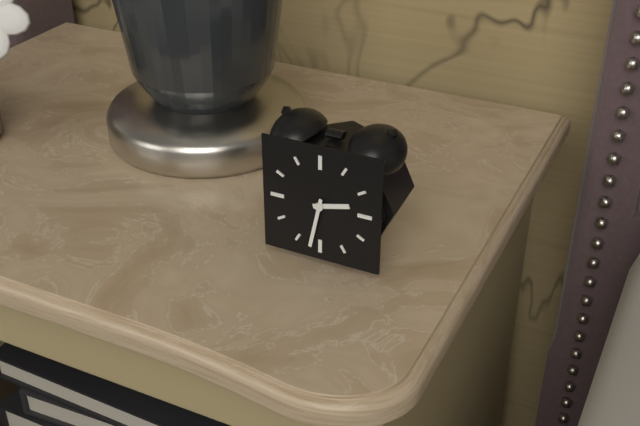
**2:32**
